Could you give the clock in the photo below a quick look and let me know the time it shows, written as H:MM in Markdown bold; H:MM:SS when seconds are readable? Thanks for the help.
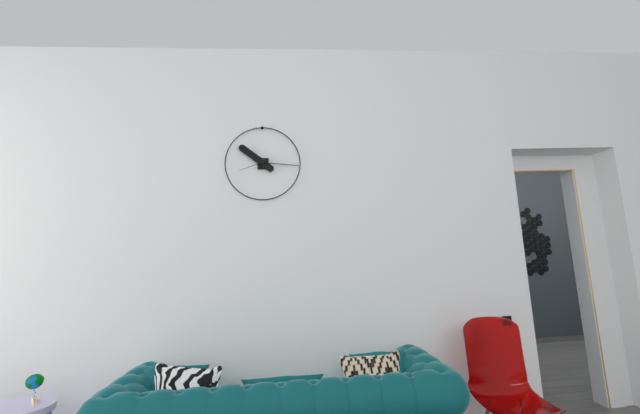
**10:16**
